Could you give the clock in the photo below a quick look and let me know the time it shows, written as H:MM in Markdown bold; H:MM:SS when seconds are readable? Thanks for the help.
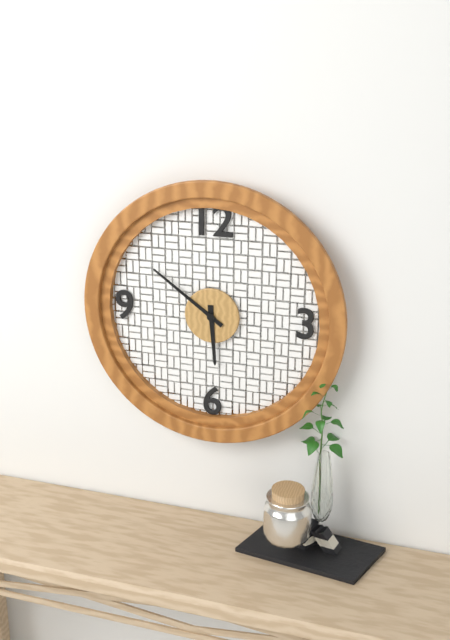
**5:51**
